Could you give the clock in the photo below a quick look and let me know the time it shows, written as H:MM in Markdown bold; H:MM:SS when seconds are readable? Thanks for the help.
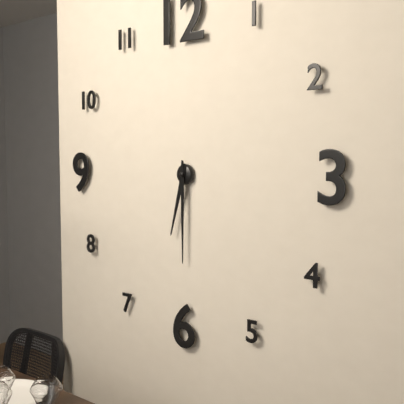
**6:30**
